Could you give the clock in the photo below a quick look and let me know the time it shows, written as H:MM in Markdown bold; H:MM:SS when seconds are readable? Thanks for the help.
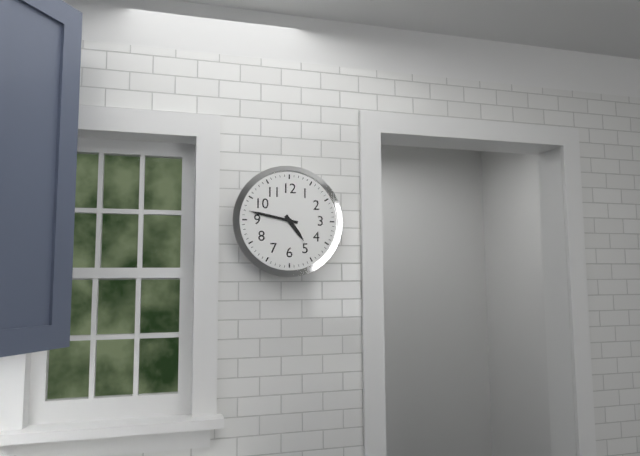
**4:47**
